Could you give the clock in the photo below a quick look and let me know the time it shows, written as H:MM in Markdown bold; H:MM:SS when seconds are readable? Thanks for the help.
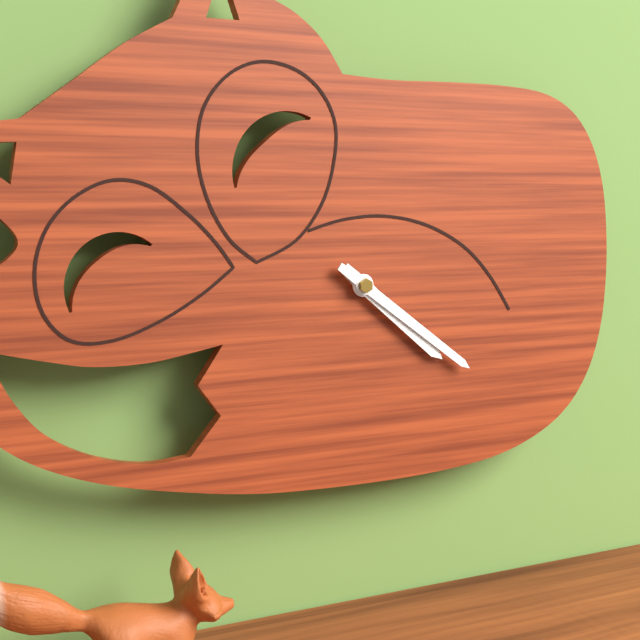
**4:21**
